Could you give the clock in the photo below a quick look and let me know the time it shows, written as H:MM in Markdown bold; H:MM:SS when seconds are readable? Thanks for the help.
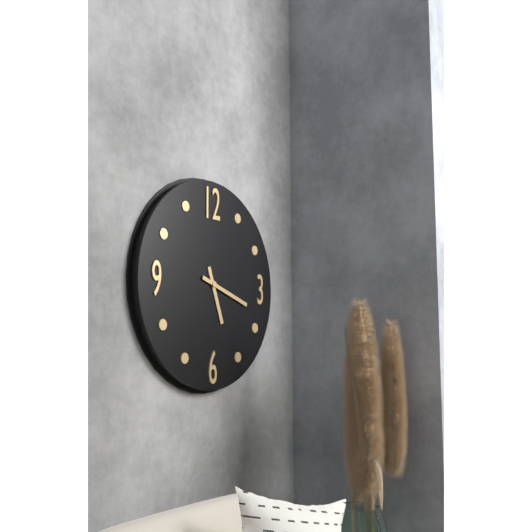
**5:18**
